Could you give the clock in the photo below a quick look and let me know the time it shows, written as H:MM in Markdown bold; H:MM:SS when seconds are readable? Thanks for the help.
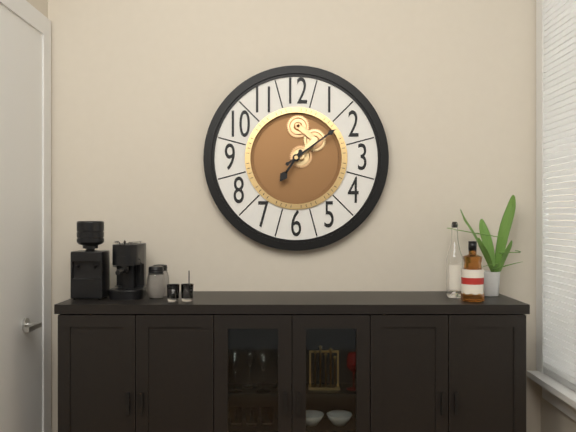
**7:09**
